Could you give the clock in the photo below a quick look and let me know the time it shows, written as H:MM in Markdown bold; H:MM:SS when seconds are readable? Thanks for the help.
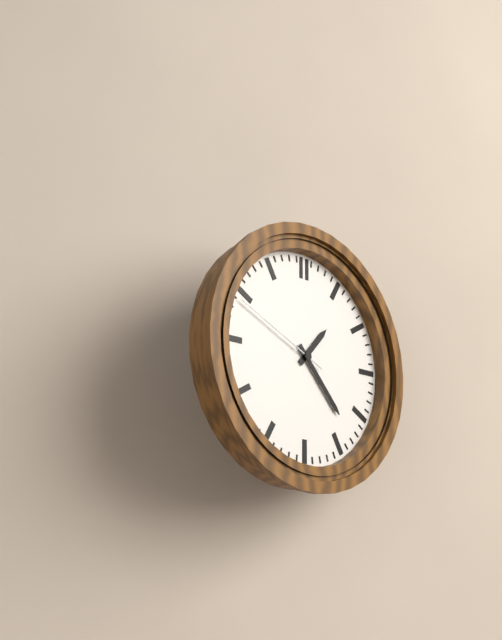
**1:23:49**
